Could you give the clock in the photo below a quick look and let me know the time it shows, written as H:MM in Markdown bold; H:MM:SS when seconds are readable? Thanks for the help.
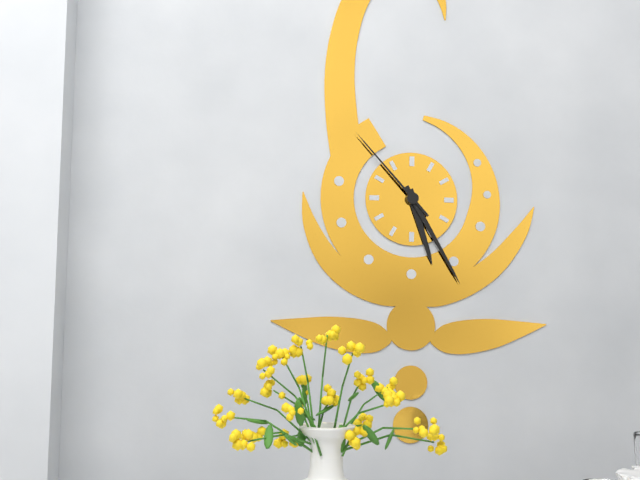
**5:25:53**
